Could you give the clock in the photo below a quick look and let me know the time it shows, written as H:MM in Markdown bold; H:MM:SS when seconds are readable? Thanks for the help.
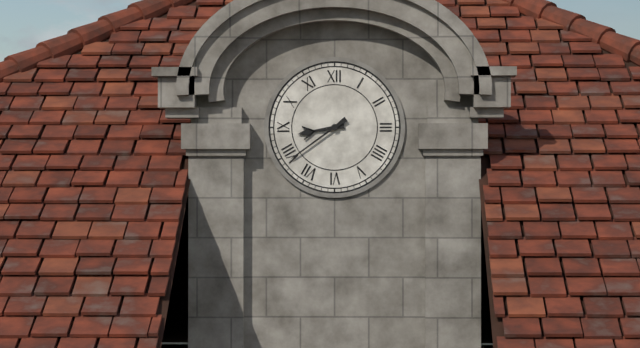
**8:39**
